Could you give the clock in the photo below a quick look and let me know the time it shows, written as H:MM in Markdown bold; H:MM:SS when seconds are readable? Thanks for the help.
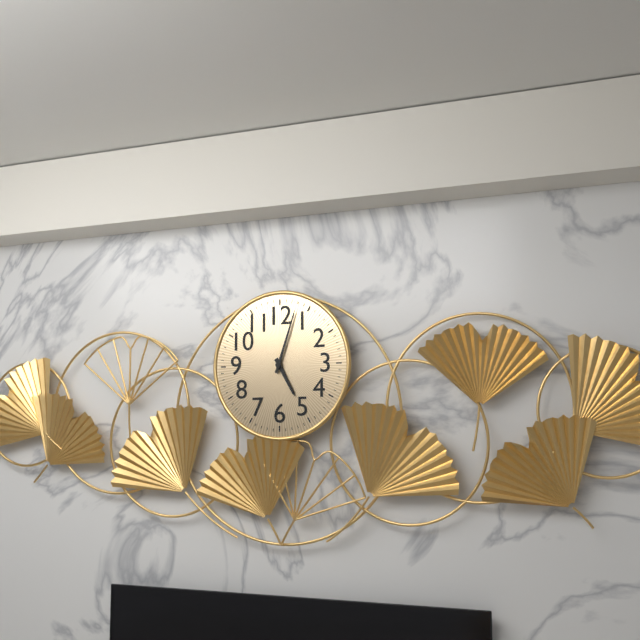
**5:03**
